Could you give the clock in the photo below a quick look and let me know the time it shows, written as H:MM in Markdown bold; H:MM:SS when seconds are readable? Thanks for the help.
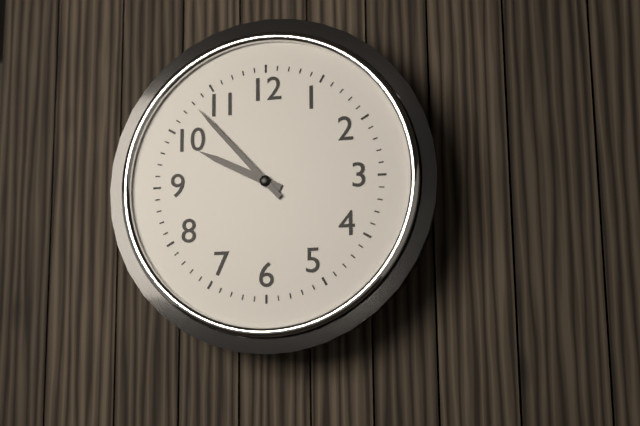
**9:53**
